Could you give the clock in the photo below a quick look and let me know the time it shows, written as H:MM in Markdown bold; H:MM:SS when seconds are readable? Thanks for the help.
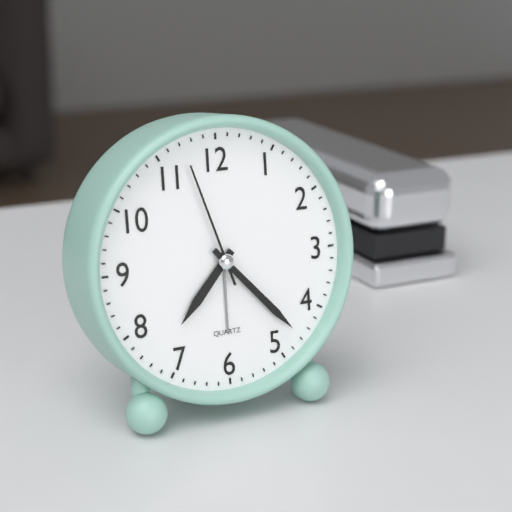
**7:23:57**
